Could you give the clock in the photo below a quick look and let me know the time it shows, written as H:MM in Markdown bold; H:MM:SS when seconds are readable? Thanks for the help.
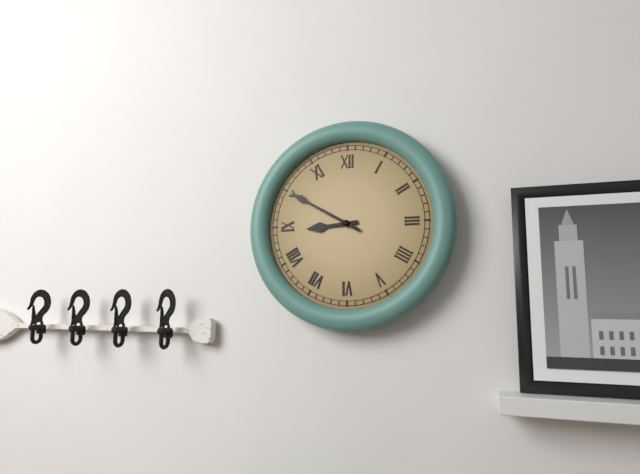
**8:50**
